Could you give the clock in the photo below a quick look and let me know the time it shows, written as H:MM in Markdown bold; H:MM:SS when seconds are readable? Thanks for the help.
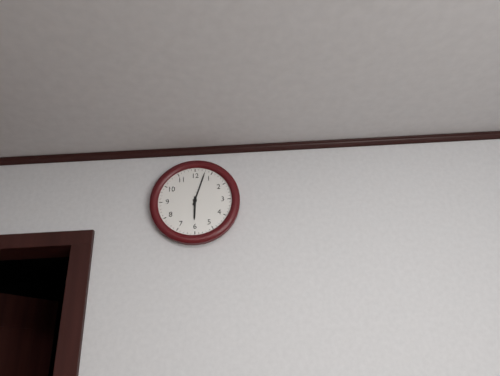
**6:03**
